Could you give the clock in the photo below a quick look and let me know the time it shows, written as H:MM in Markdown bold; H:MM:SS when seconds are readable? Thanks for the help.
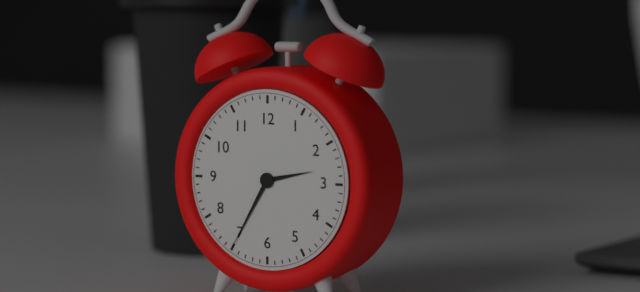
**2:35**
